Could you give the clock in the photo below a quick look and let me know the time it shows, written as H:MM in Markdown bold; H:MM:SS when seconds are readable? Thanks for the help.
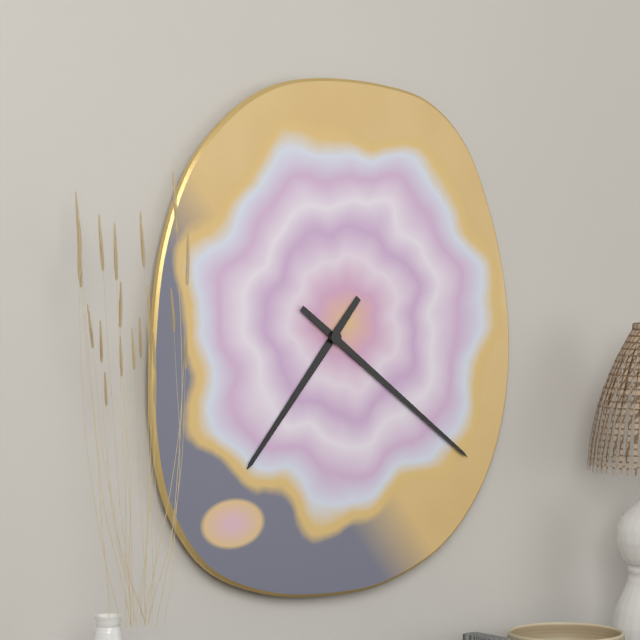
**7:21**
